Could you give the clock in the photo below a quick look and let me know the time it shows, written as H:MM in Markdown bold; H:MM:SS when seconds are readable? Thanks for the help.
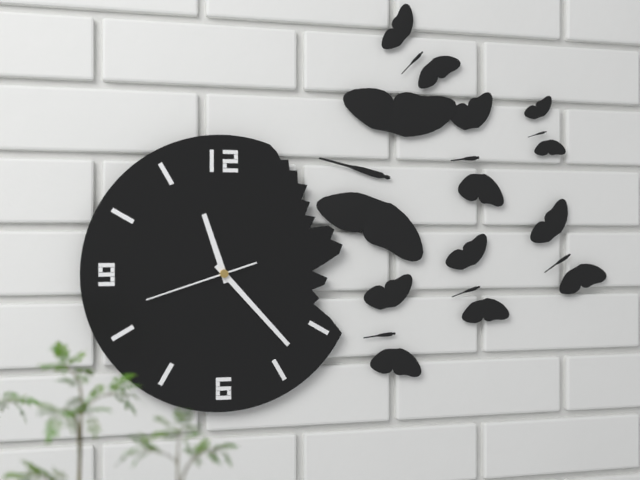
**11:23:42**
